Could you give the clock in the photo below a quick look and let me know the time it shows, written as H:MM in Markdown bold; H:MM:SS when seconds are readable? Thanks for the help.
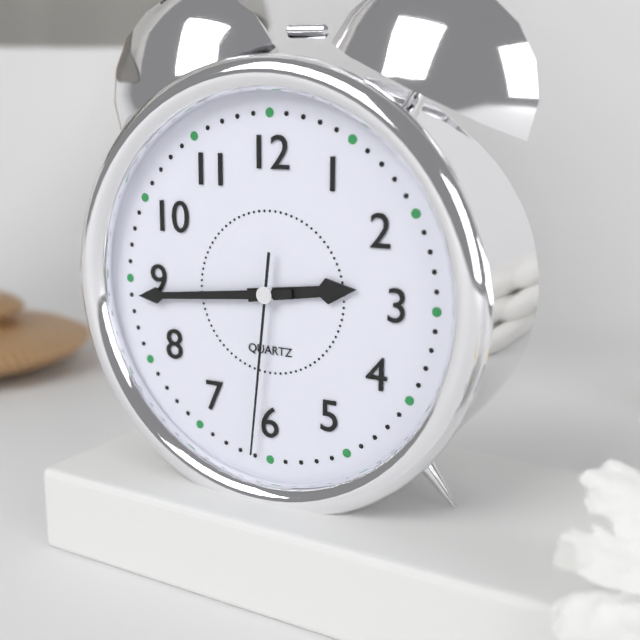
**2:44:31**
